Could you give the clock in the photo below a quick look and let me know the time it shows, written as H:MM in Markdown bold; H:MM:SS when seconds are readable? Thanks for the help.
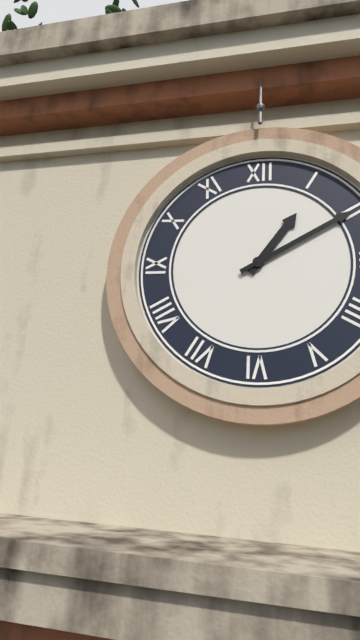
**1:10**
